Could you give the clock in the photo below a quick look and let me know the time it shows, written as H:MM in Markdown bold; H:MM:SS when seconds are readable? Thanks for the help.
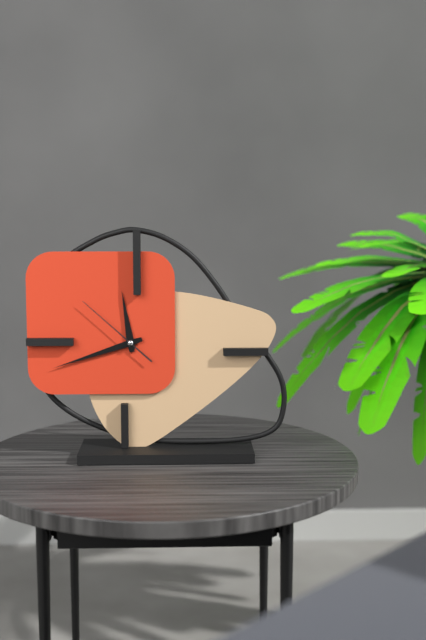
**11:42:52**
